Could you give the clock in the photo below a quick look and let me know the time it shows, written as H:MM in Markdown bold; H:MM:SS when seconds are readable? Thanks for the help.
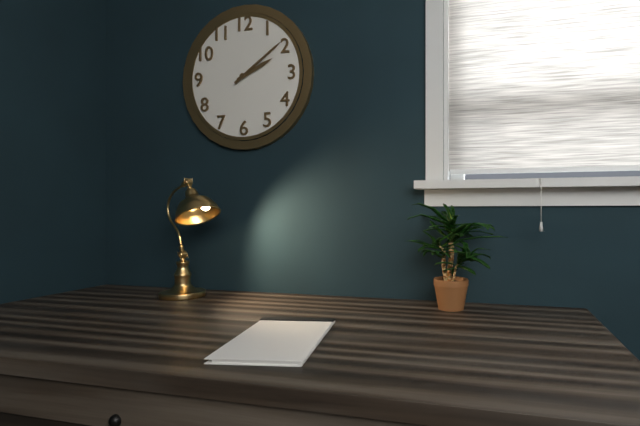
**2:09**
